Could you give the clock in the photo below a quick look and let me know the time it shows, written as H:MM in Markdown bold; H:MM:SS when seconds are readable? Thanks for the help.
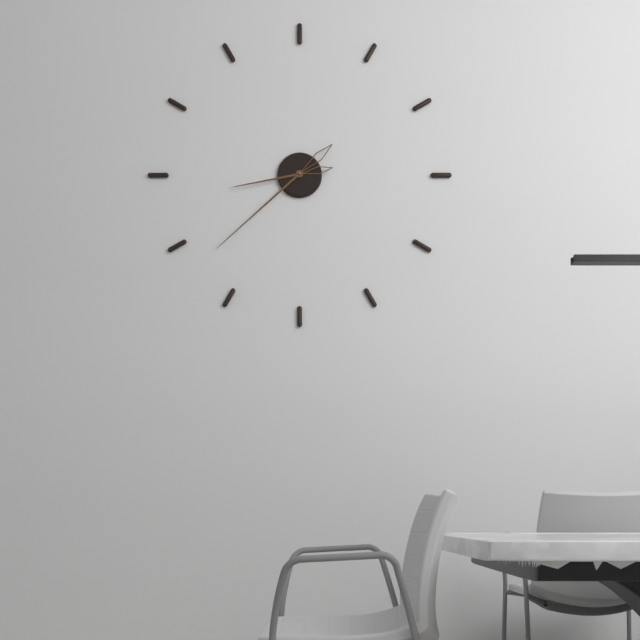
**8:38**
